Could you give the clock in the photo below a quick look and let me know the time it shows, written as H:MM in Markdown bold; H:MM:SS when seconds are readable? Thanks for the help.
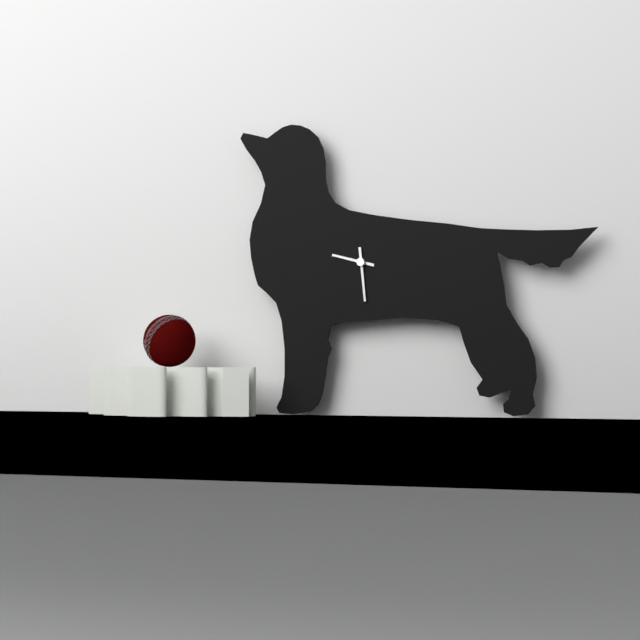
**9:29**
